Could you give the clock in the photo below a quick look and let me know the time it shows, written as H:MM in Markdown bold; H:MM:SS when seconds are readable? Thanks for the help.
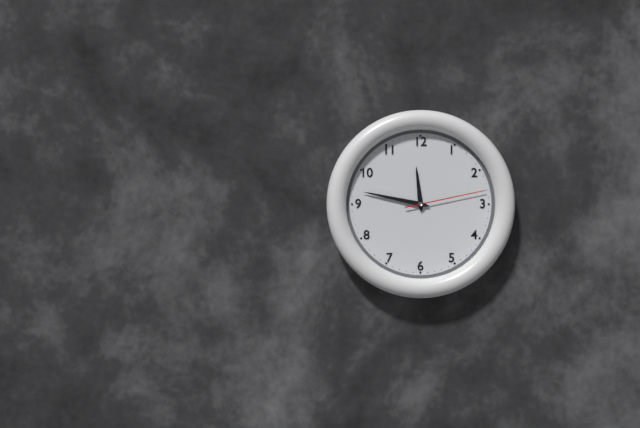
**11:47:13**
